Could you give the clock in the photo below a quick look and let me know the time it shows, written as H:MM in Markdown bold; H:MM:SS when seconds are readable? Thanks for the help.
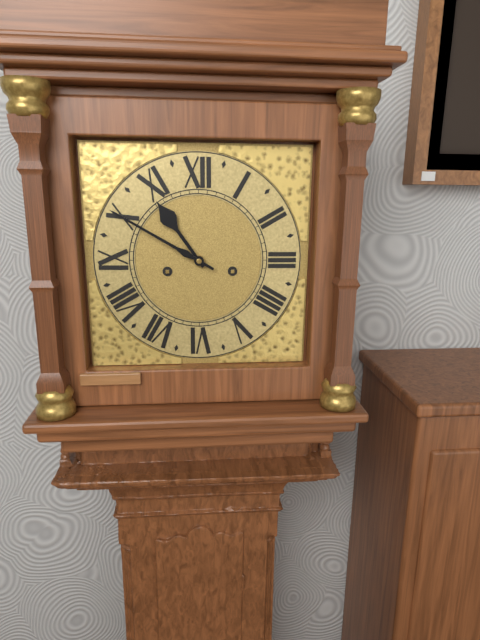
**10:50**
